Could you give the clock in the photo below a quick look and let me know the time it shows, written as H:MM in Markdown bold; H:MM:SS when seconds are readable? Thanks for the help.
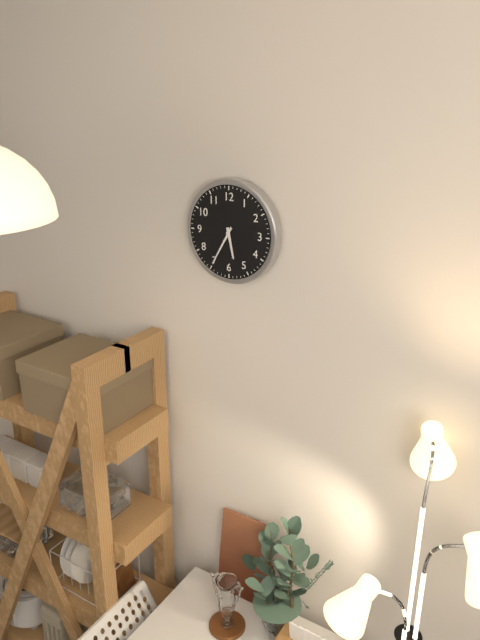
**5:35**
